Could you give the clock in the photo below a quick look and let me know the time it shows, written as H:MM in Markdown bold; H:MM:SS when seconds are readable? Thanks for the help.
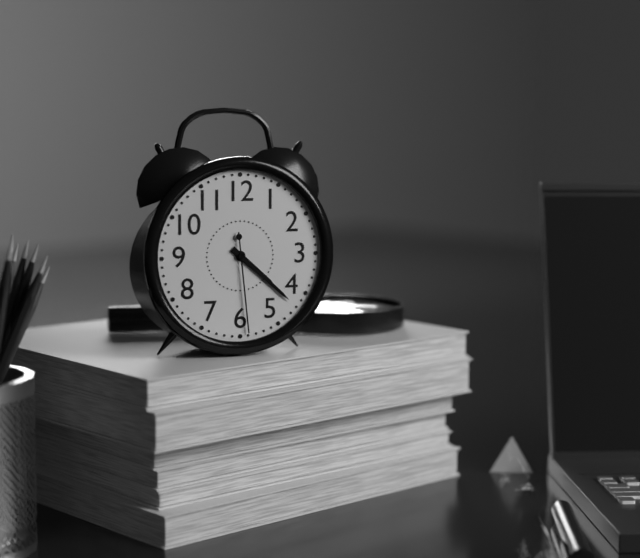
**4:22:29**
